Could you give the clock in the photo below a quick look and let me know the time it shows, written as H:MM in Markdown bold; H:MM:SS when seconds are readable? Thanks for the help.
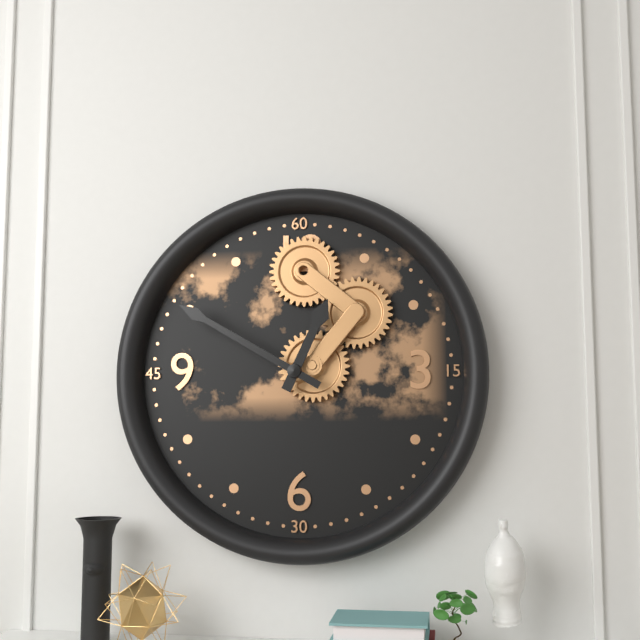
**12:50**
